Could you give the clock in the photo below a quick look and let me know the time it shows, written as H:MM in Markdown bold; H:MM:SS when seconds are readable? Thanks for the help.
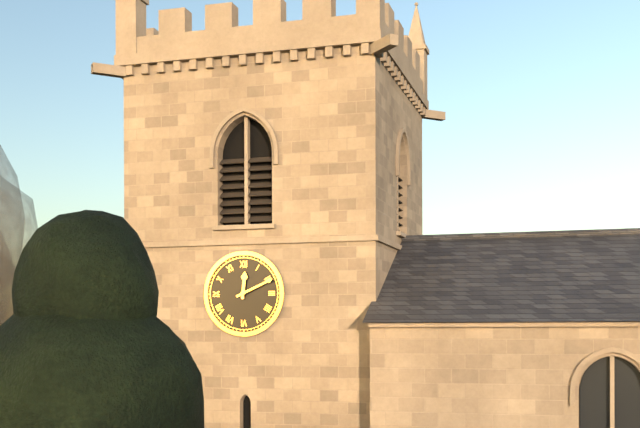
**12:11**
